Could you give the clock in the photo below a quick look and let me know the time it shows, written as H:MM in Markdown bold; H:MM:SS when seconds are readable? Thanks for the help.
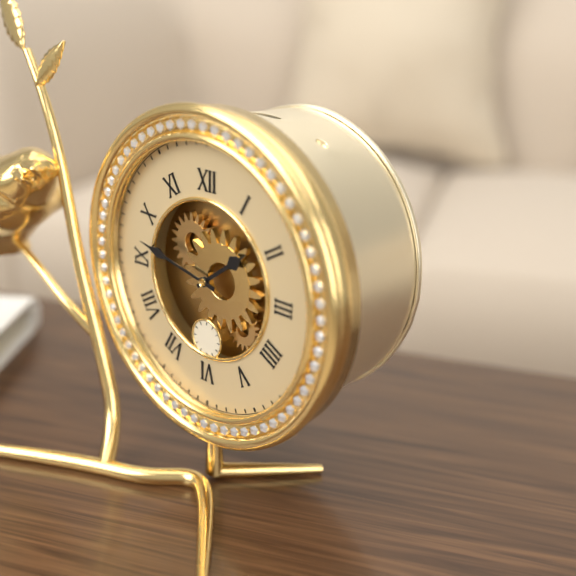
**1:47**
